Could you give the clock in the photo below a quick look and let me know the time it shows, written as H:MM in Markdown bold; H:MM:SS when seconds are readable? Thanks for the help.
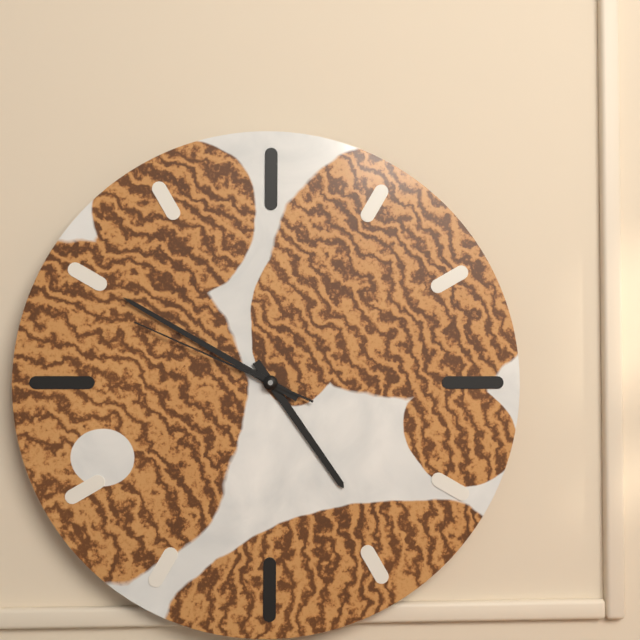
**4:50:49**
